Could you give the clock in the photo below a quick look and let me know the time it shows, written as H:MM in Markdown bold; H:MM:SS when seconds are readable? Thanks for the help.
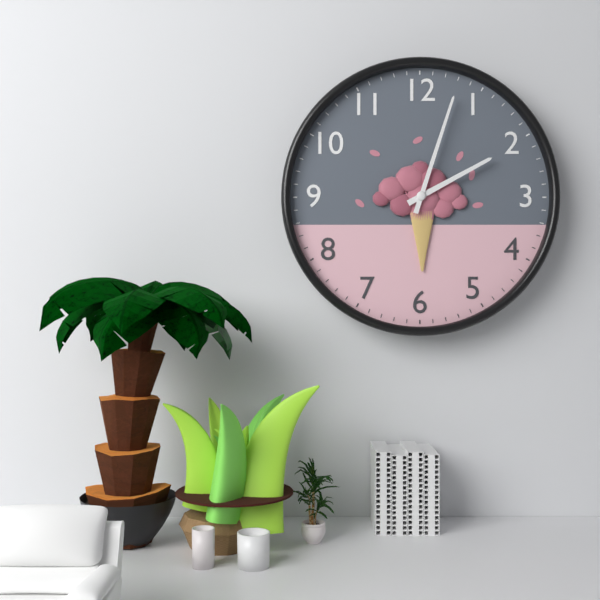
**2:03**
